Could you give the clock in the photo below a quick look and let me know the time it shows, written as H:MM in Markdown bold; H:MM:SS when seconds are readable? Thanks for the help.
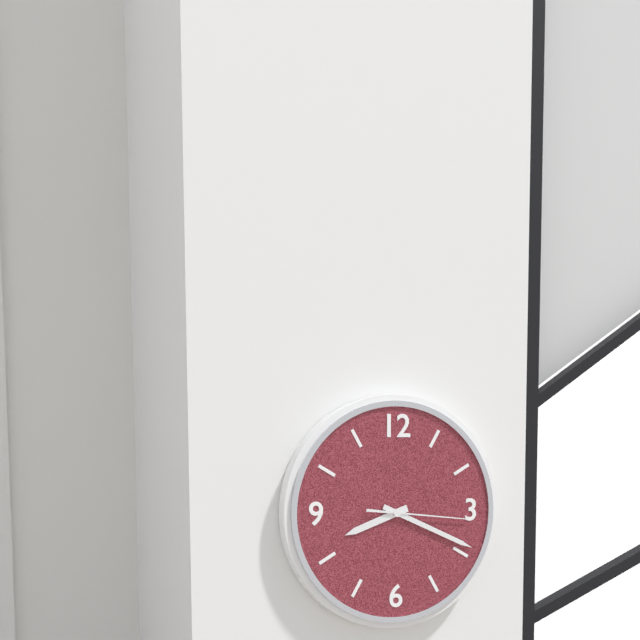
**8:19:16**
